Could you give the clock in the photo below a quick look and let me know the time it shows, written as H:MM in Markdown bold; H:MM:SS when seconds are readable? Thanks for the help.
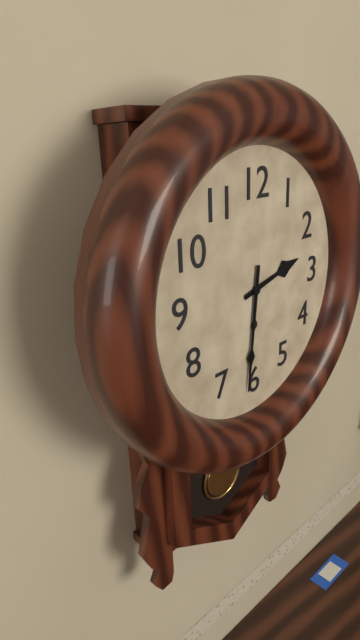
**2:31**
